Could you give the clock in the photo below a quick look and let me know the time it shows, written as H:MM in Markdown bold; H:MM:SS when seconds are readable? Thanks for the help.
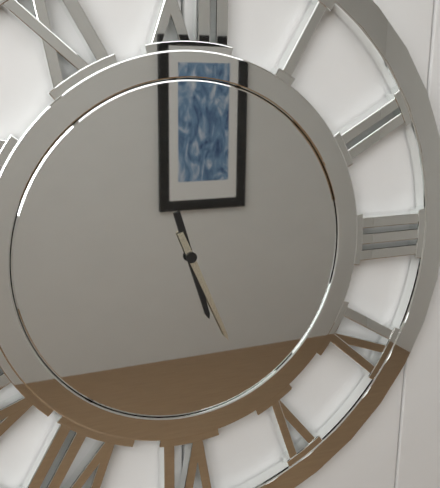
**5:26**
